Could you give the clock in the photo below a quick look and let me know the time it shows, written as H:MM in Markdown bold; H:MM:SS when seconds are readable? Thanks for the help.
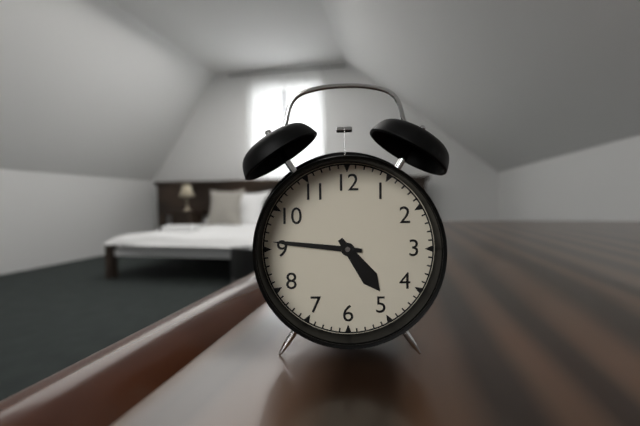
**4:46**
